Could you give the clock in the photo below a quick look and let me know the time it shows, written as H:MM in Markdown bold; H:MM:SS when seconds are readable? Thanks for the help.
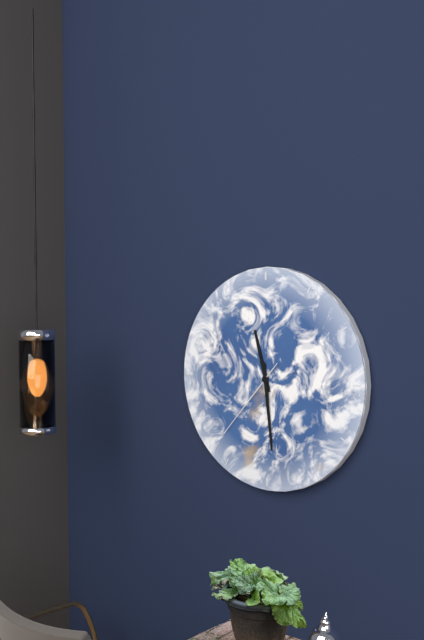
**11:29:37**
